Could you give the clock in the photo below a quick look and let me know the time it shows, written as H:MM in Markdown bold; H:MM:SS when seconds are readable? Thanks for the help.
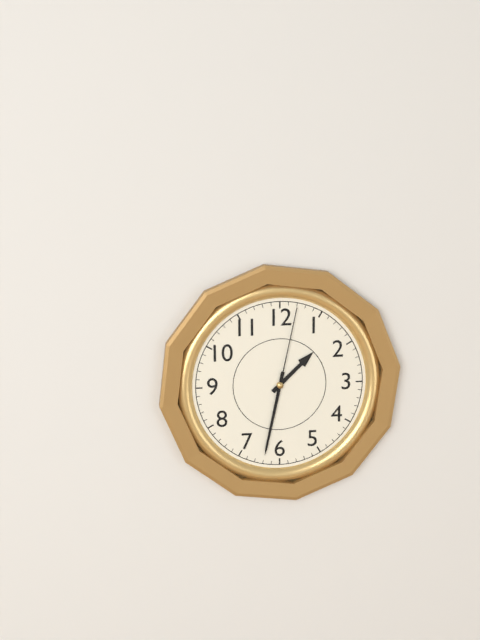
**1:32:02**
